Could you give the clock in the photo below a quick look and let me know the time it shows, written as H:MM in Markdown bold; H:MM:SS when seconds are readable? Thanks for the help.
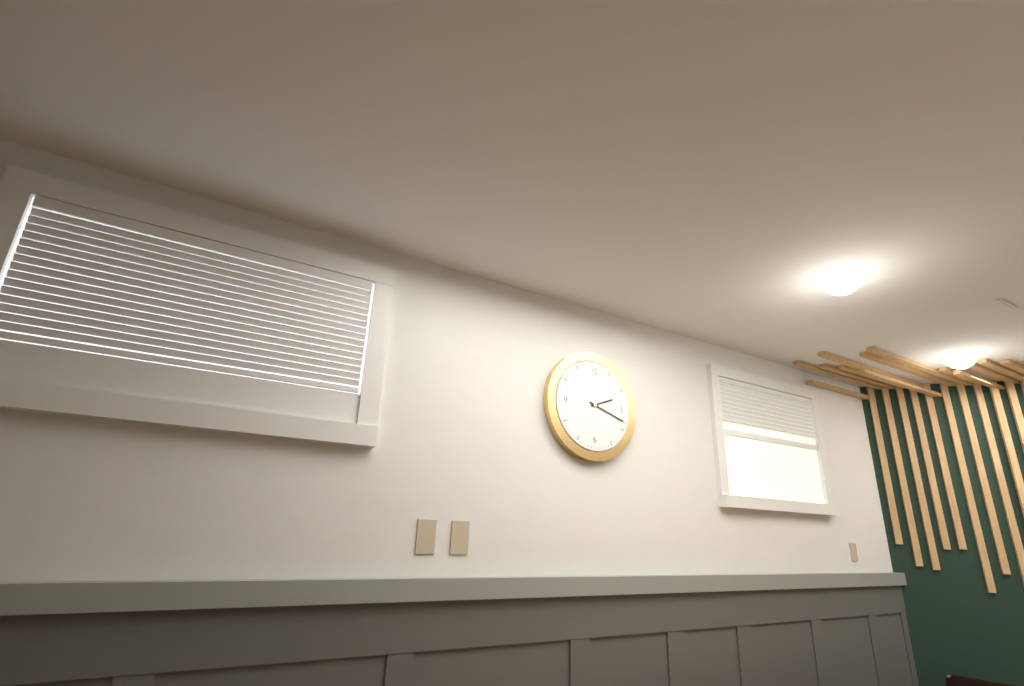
**2:18**
